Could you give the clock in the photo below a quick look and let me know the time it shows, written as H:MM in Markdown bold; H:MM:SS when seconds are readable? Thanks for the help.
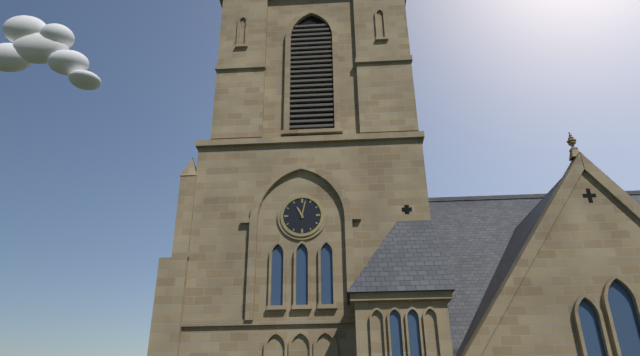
**11:02**
